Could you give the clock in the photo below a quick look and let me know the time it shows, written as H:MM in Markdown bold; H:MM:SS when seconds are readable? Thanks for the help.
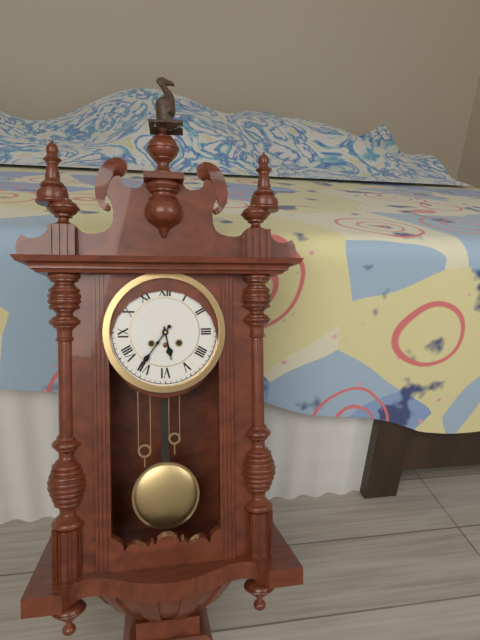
**5:36**
